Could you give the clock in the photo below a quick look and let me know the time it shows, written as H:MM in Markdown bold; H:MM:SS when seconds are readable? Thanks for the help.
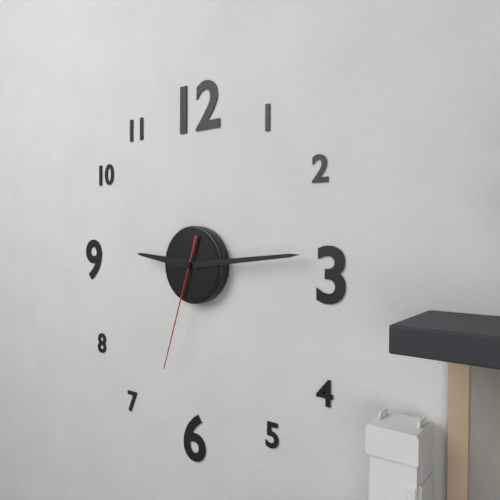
**9:14:33**
